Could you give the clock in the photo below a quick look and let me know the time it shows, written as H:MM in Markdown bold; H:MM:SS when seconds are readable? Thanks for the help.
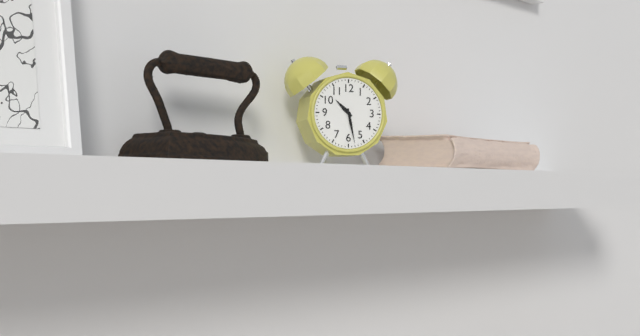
**10:28**
